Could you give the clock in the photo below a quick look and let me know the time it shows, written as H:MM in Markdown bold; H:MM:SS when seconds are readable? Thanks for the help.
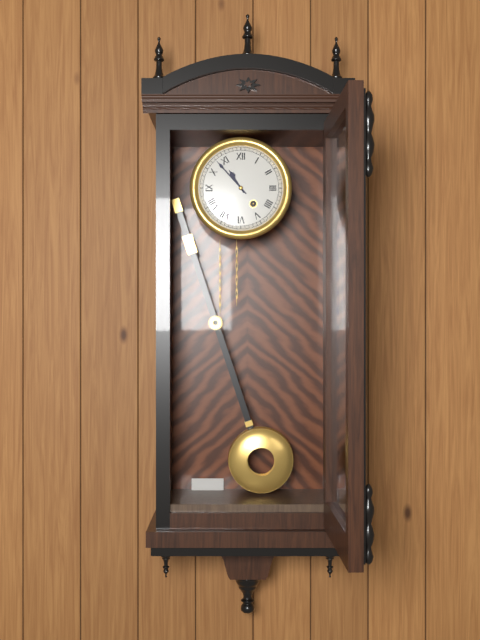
**10:53**
